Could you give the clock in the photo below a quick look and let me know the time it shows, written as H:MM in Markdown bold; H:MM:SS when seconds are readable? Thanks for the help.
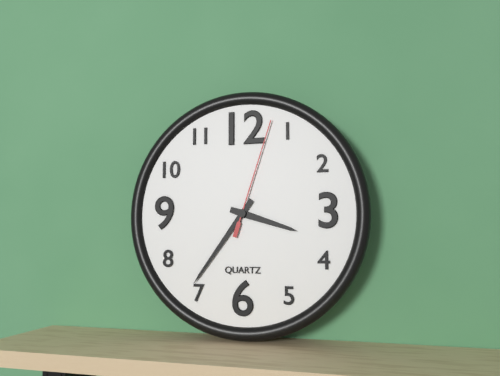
**3:36:03**
